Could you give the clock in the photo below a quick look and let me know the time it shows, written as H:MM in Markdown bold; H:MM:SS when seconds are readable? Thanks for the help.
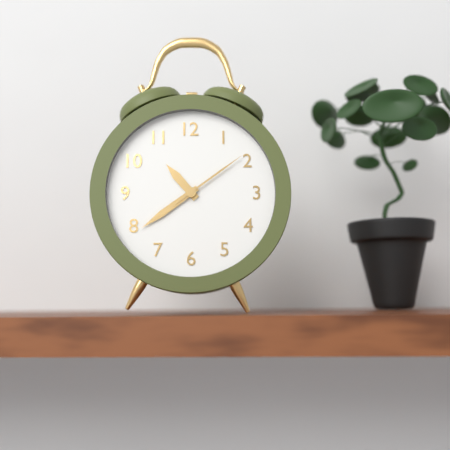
**10:39:09**
